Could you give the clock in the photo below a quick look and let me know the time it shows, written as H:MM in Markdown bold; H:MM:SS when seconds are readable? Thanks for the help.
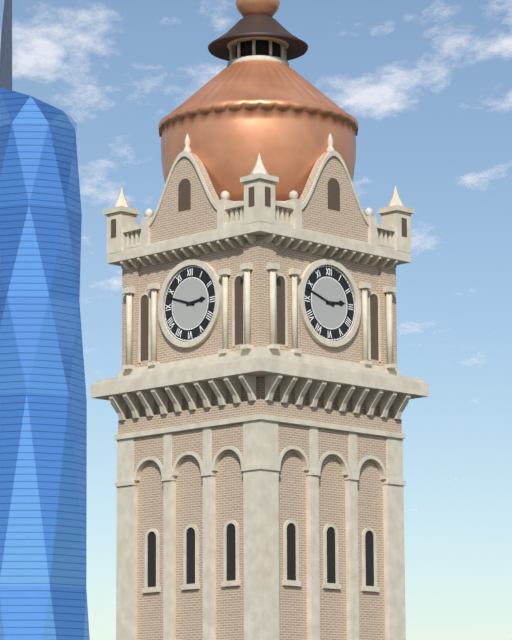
**2:48**
